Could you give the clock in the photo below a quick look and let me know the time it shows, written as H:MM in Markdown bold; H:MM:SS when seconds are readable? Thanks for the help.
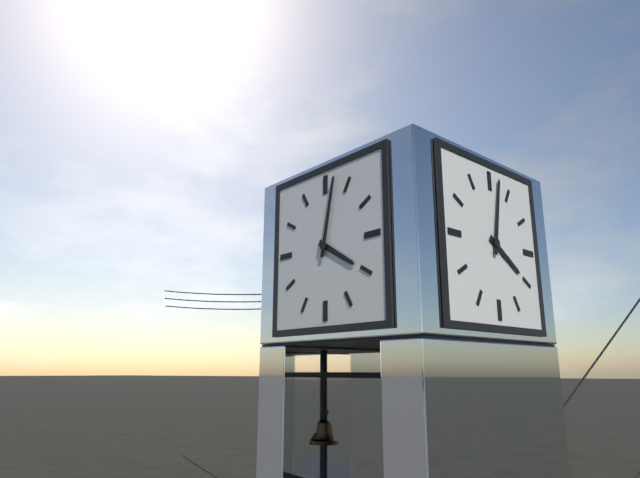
**4:02**
